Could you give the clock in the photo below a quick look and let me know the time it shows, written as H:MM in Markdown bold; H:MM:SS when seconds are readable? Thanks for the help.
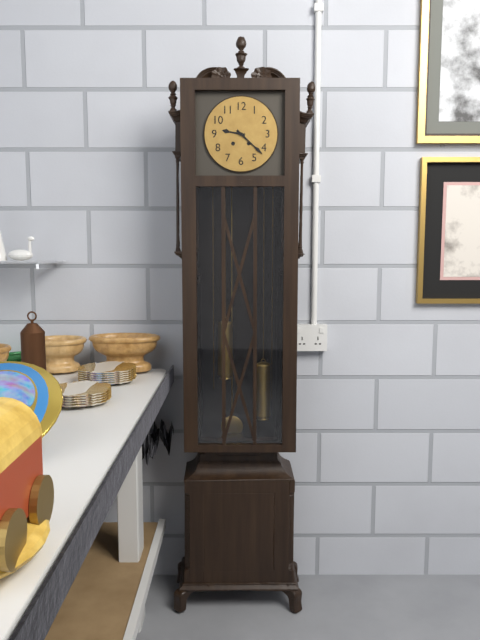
**9:22**
